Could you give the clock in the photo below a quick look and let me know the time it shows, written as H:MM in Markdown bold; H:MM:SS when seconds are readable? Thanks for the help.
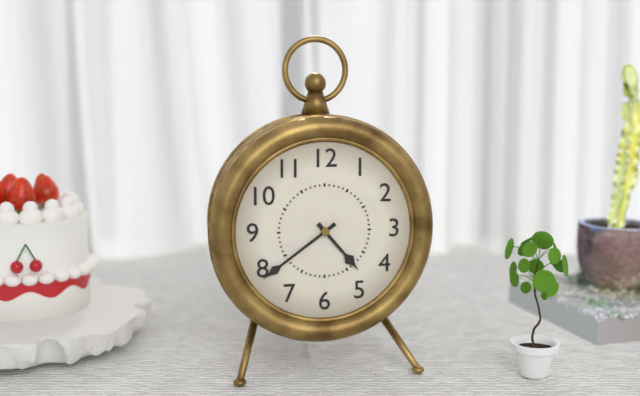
**4:39**
